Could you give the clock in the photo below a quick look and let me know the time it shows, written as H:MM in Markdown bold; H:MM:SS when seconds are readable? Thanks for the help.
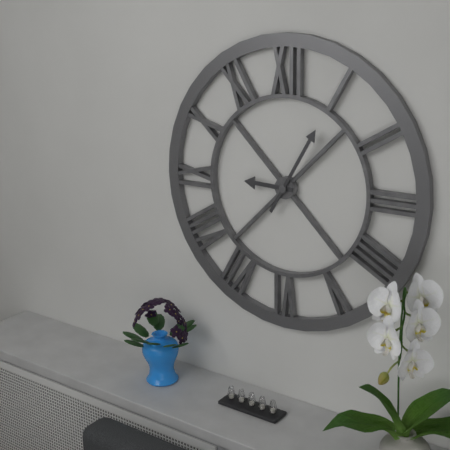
**9:05**
